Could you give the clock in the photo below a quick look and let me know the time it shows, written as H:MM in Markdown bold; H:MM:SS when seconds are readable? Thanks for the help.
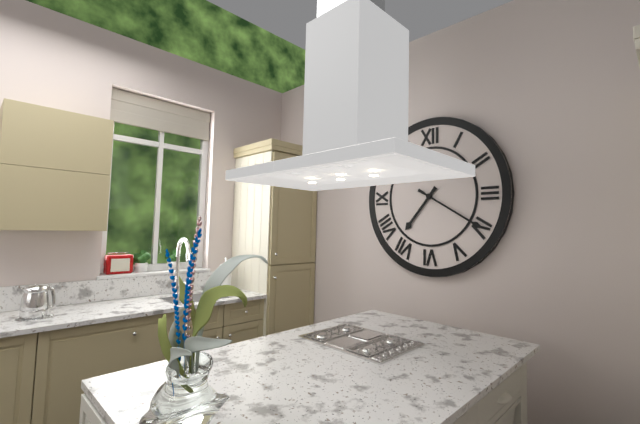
**7:20**
